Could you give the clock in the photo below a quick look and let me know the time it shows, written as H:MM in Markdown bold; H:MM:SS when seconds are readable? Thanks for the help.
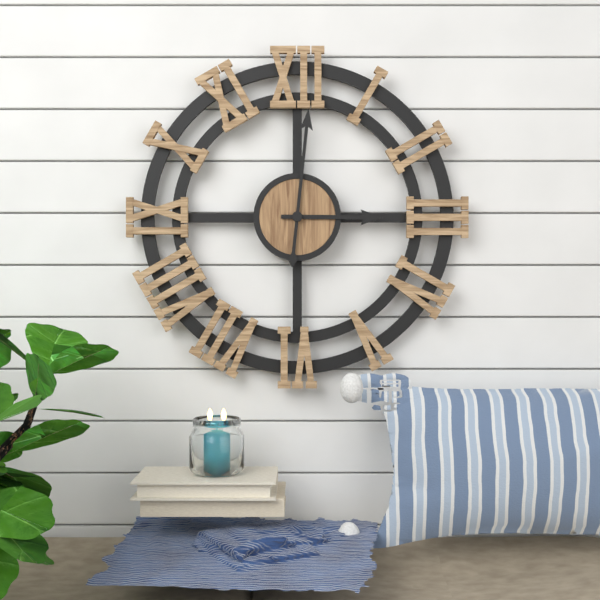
**3:01**
